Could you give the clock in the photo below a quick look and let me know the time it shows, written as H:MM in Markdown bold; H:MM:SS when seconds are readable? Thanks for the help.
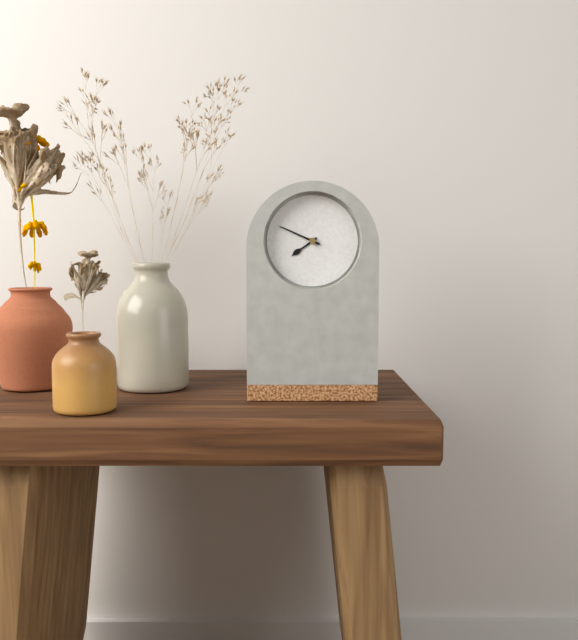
**7:49**
